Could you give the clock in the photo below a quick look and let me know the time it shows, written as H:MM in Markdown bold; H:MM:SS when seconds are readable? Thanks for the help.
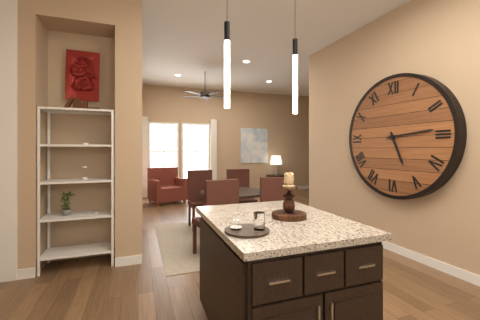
**5:14**
